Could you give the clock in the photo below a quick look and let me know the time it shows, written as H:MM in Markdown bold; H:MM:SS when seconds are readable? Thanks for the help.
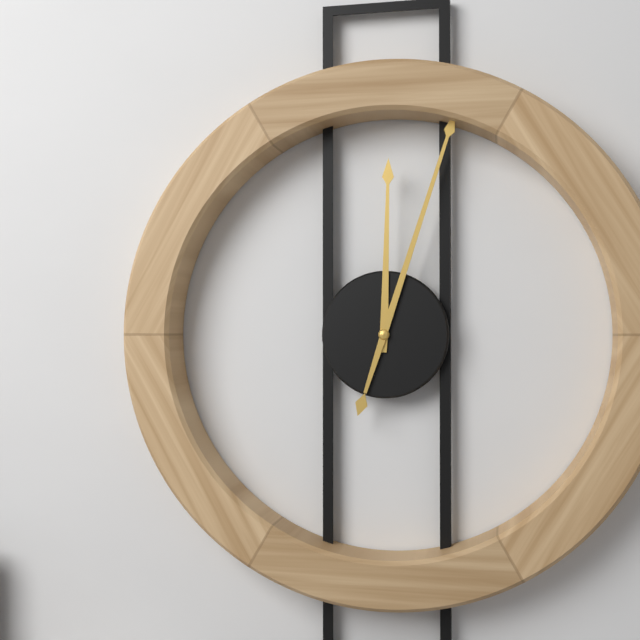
**12:03**
